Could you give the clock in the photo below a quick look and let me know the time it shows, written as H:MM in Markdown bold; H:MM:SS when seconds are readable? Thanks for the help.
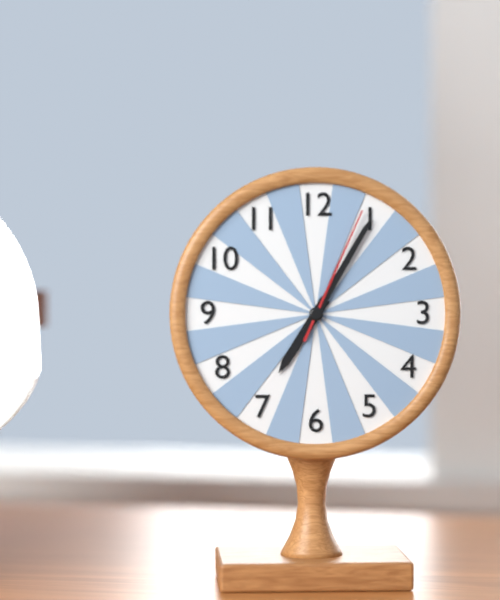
**7:05:04**
